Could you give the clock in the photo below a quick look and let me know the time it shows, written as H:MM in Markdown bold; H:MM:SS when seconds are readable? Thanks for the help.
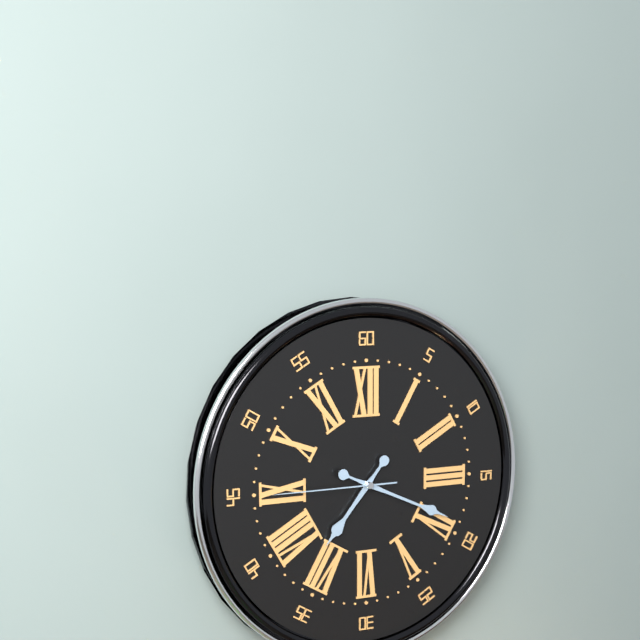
**7:19:45**
